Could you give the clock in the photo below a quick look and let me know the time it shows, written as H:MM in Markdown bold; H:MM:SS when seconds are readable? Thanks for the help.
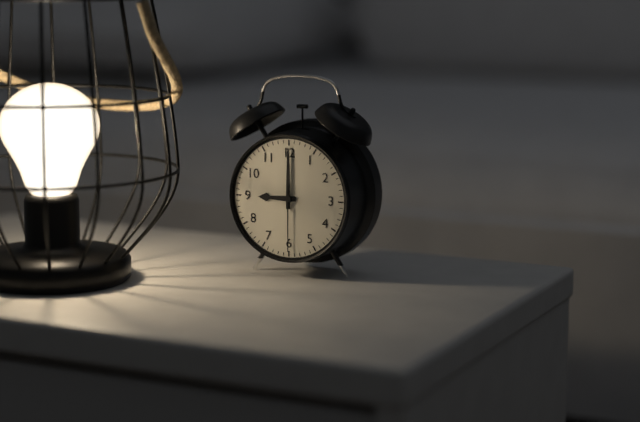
**9:00:30**
